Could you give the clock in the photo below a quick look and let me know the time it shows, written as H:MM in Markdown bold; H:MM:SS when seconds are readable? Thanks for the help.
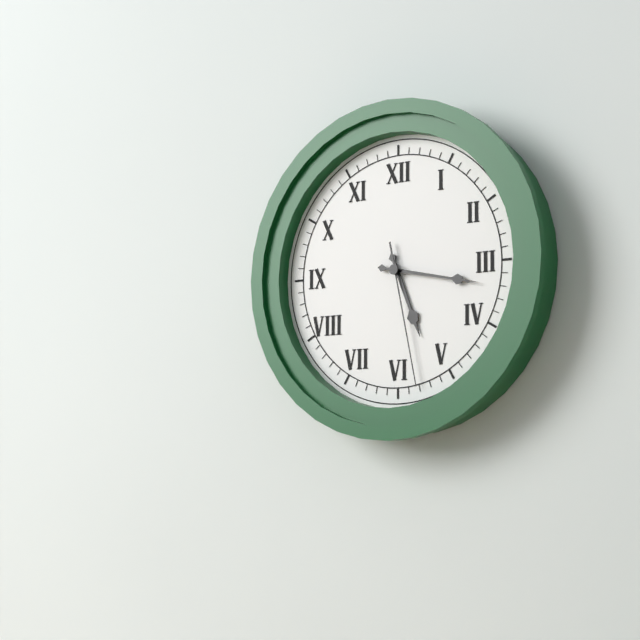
**5:17:28**
